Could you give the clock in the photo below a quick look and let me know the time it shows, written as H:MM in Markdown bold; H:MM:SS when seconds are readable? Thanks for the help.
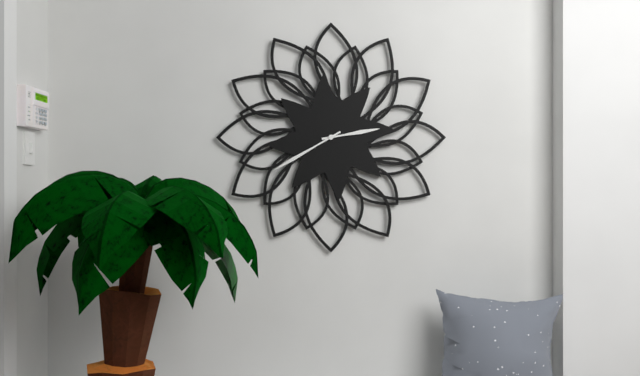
**2:40**
